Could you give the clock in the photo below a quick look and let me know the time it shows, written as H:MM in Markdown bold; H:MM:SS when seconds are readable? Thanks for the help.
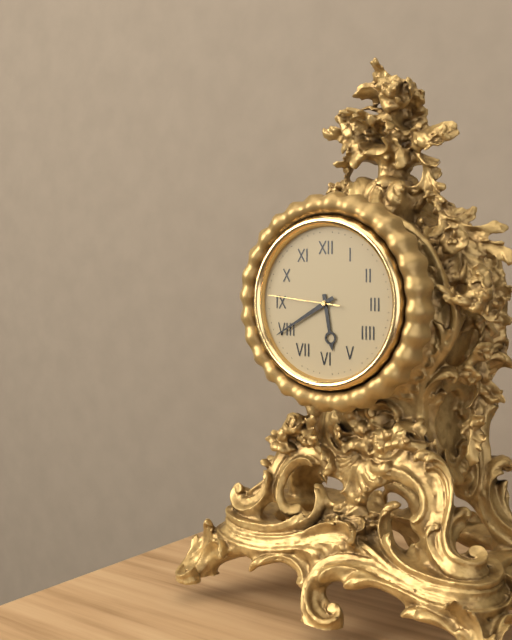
**5:40:46**
